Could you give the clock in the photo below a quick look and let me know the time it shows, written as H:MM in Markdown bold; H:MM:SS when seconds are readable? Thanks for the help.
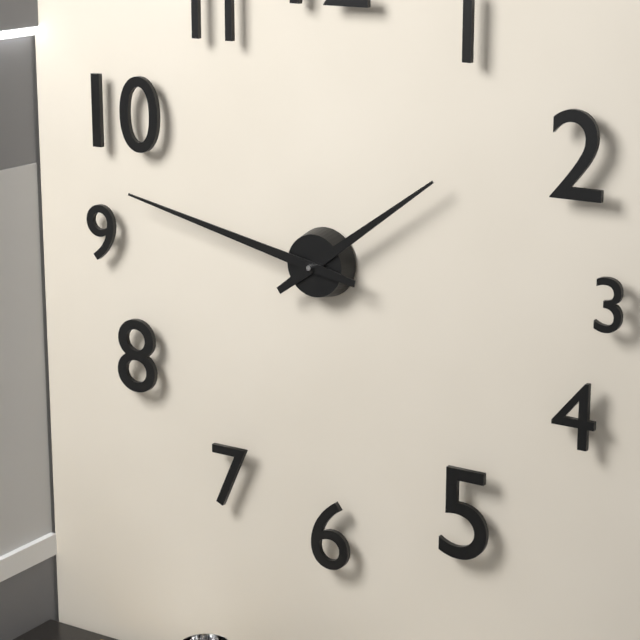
**1:47**
